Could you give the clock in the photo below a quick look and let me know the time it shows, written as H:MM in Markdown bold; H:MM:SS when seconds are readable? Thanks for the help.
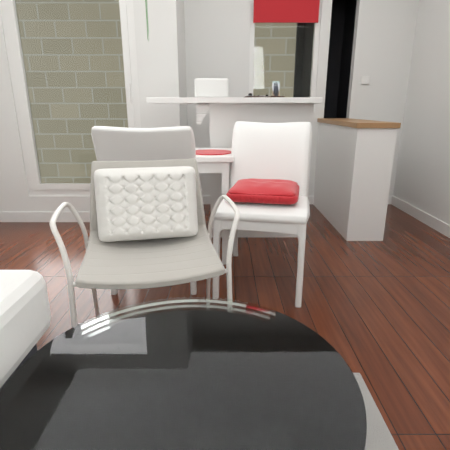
**4:44**
